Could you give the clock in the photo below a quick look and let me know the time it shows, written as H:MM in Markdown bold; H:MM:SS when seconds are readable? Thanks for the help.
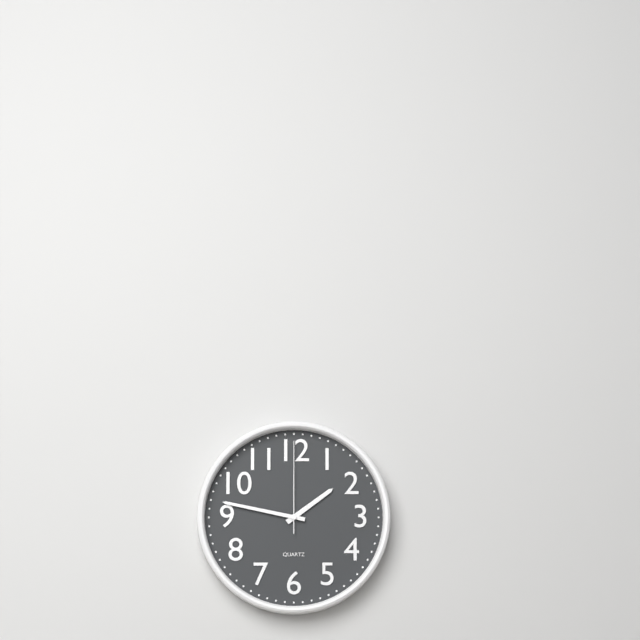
**1:47:00**
